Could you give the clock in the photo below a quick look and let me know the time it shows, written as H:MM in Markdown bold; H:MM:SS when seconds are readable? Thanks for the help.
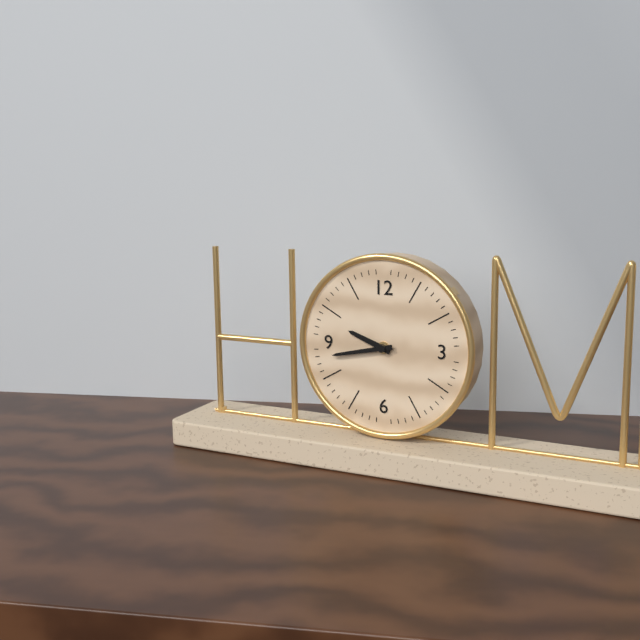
**9:43**
